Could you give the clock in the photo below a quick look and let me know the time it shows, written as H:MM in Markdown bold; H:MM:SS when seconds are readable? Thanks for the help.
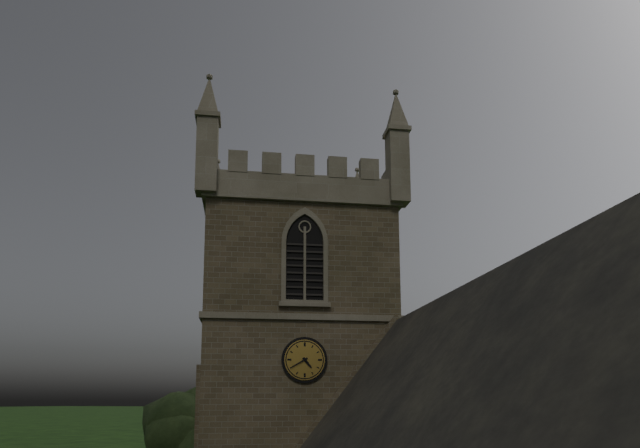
**4:40**
